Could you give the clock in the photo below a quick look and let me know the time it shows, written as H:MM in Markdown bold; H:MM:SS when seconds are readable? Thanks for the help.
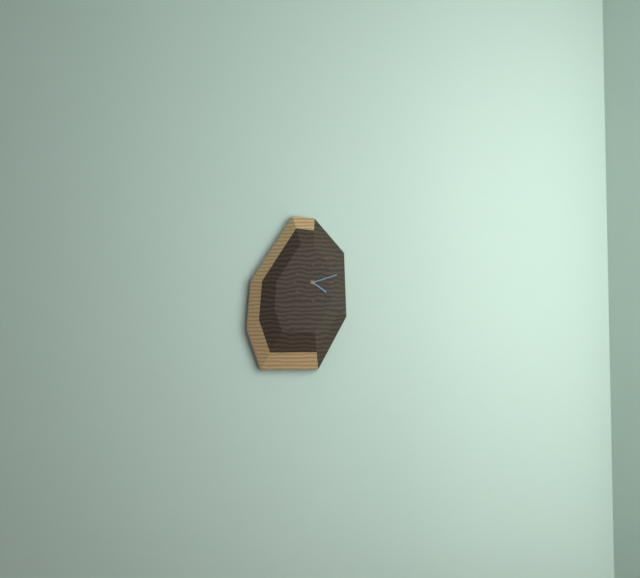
**4:12**
